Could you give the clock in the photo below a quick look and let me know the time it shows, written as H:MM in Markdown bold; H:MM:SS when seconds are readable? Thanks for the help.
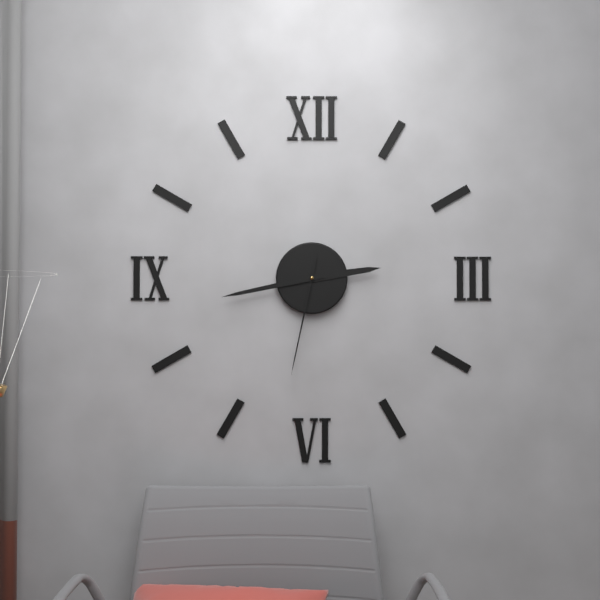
**2:43:32**
